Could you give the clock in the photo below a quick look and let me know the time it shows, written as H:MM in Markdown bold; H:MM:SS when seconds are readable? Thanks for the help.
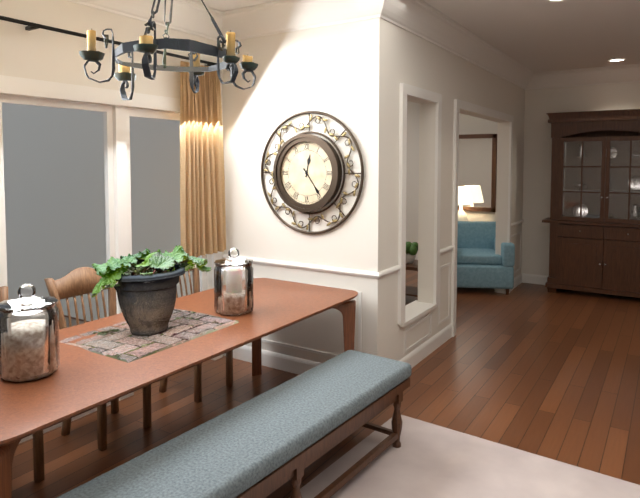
**12:24**
